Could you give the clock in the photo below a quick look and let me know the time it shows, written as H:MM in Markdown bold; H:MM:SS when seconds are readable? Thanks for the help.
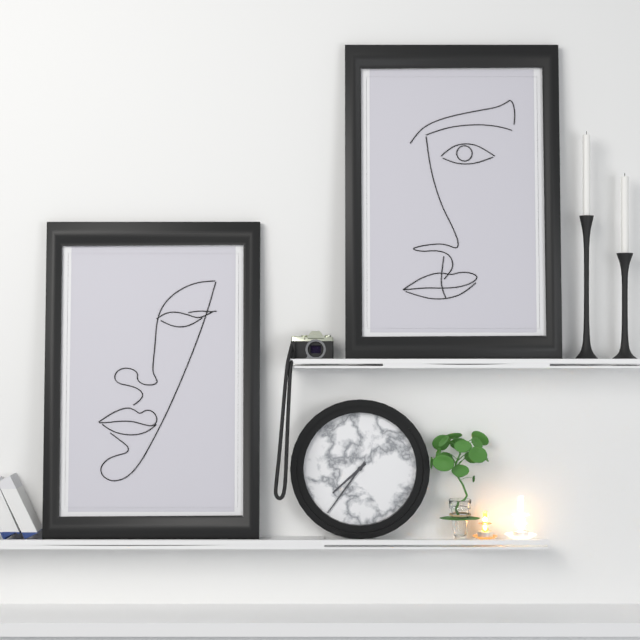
**7:36**
